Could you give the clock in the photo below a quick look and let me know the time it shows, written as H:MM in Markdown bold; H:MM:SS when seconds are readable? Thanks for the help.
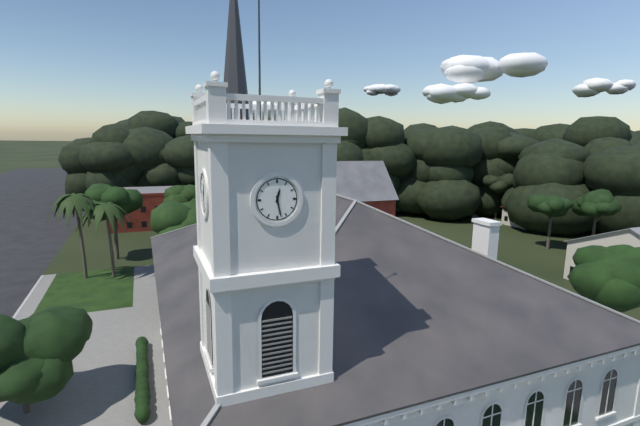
**12:28**
